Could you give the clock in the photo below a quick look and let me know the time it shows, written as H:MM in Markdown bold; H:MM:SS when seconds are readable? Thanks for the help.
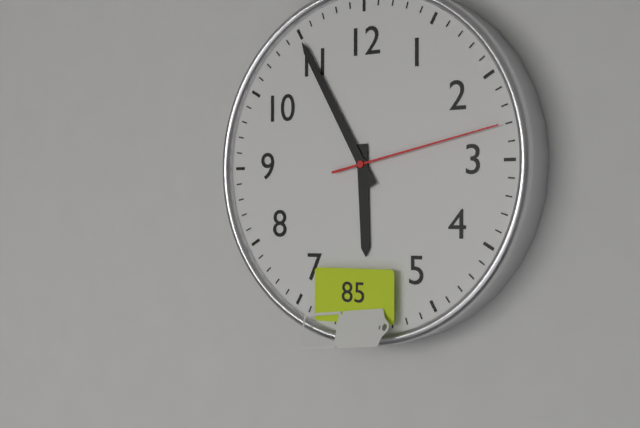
**5:55:13**
